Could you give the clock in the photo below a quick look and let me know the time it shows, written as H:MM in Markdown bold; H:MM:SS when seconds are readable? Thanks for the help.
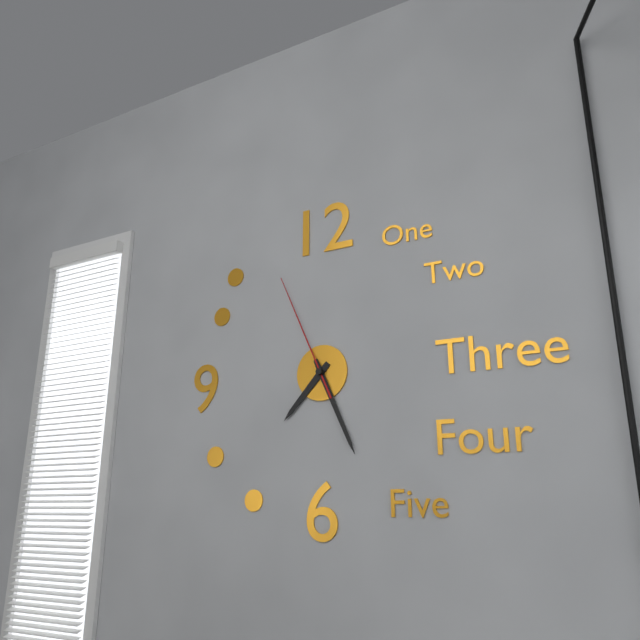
**7:26:56**
